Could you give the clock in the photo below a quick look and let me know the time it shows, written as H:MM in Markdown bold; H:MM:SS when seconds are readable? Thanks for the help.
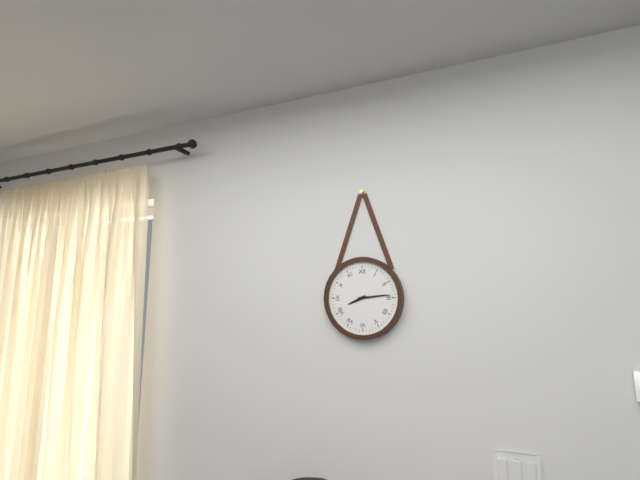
**8:14**
